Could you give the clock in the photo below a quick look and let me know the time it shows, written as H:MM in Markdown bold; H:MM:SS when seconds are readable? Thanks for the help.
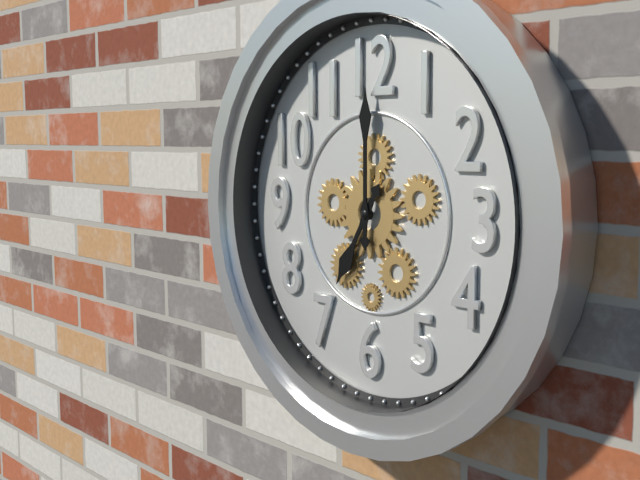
**7:00**
